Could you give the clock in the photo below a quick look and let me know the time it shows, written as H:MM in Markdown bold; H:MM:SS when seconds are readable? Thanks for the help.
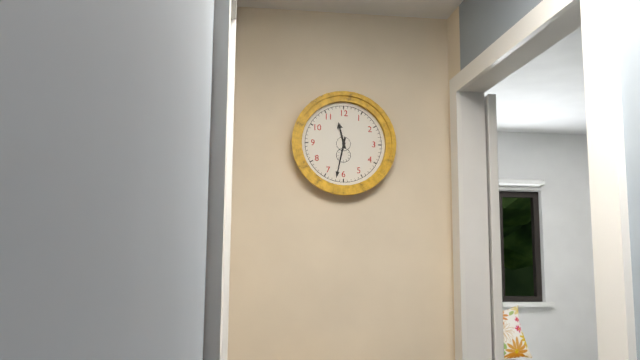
**11:32**
